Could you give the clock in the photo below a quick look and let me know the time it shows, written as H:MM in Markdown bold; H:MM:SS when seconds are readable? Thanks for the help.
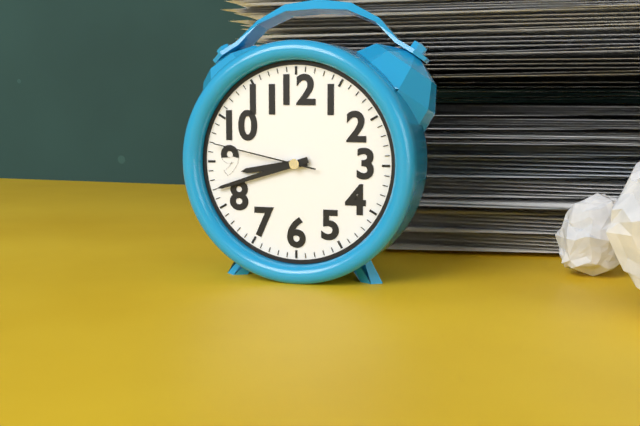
**8:42:47**
